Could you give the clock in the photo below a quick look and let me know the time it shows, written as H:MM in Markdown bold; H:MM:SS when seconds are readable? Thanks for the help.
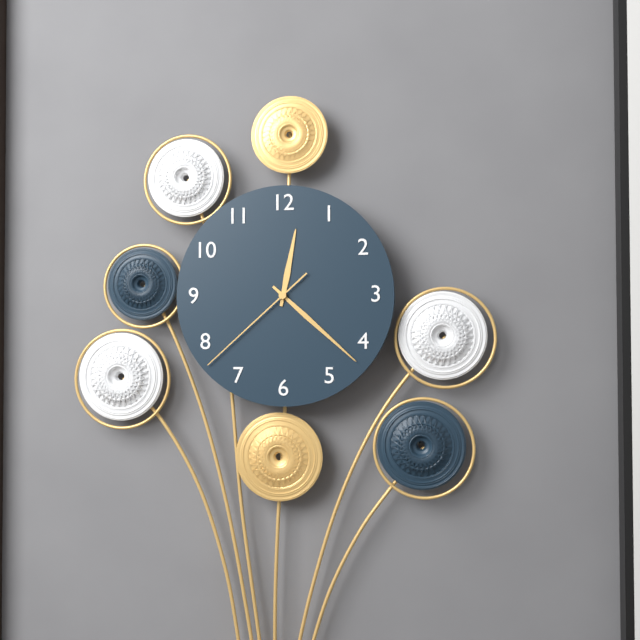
**12:22:38**
